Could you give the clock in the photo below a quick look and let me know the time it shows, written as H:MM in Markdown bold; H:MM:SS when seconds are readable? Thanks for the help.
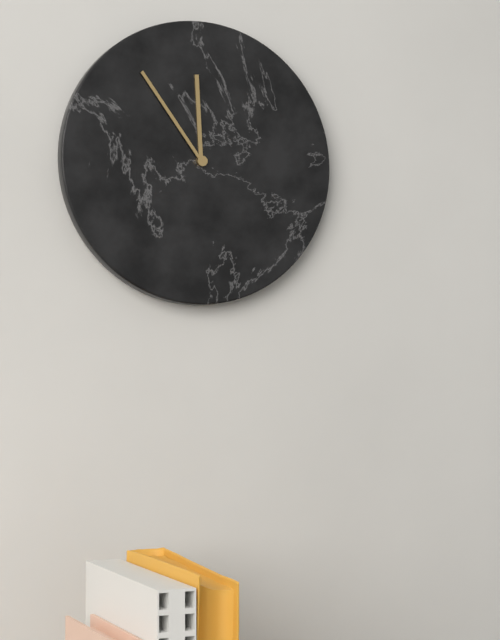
**11:54**
